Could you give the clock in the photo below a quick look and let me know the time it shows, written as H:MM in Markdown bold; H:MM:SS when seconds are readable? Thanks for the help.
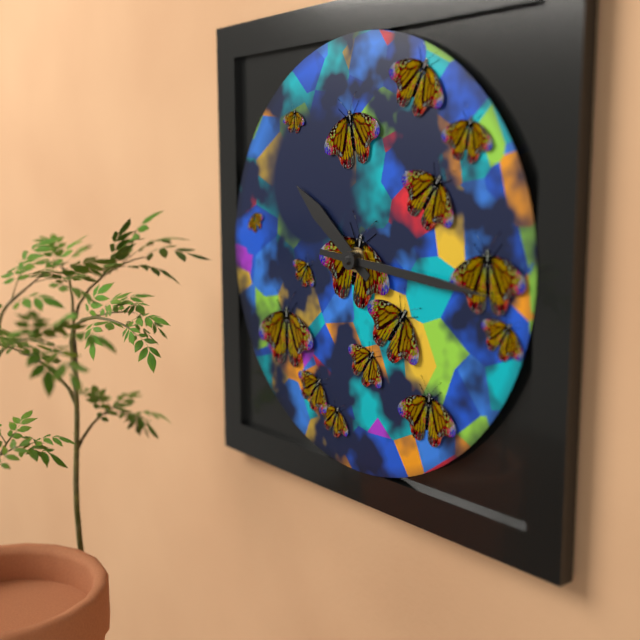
**10:16**
